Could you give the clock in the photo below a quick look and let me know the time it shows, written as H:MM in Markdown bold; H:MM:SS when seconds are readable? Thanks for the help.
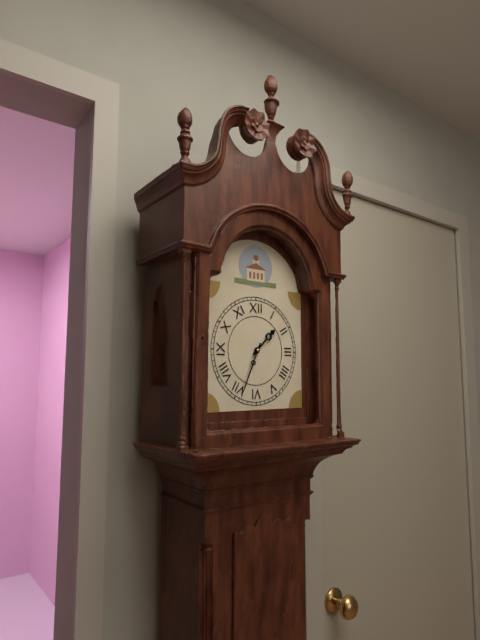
**1:34**
